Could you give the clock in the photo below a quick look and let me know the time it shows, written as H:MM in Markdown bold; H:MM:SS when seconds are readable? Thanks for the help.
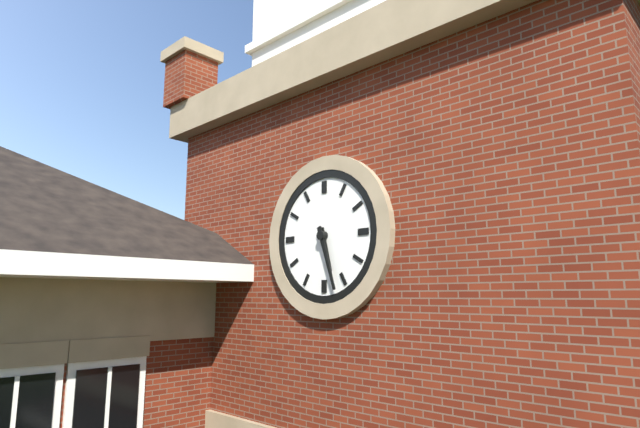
**5:27**
